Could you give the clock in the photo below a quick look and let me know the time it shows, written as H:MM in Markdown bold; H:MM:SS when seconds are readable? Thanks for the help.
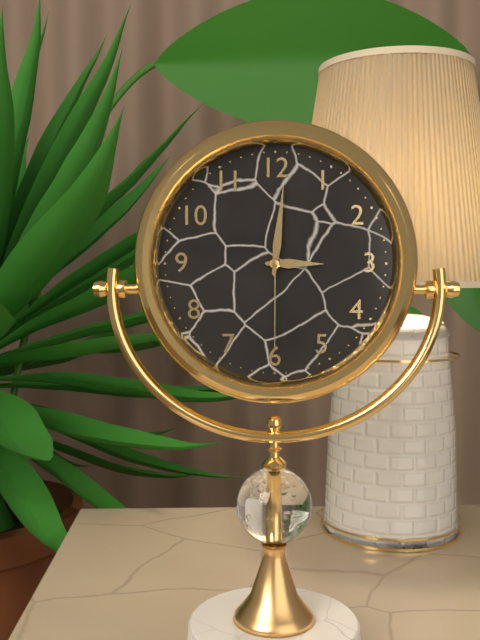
**3:01:30**
